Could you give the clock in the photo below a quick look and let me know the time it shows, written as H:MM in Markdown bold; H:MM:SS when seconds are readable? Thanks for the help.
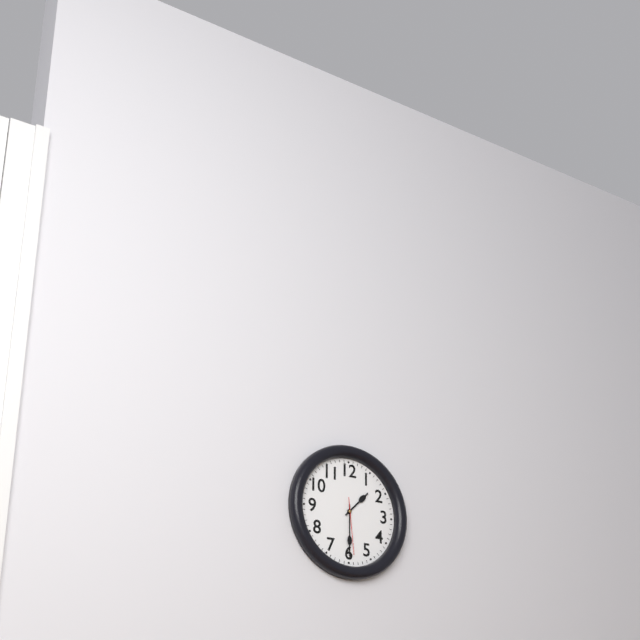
**1:30:29**
